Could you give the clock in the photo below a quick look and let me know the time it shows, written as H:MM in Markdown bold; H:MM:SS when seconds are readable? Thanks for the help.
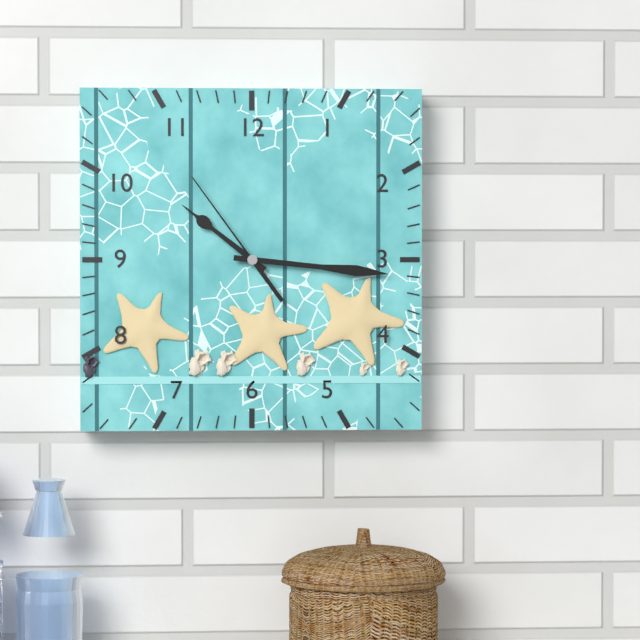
**10:16:54**
